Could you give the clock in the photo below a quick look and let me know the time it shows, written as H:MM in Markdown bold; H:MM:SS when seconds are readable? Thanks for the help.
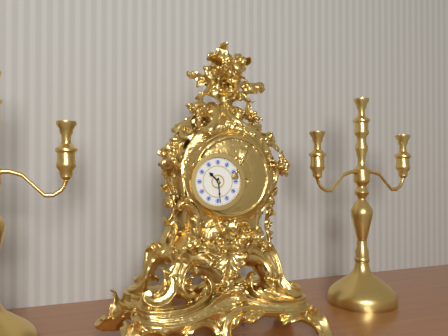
**10:29**
